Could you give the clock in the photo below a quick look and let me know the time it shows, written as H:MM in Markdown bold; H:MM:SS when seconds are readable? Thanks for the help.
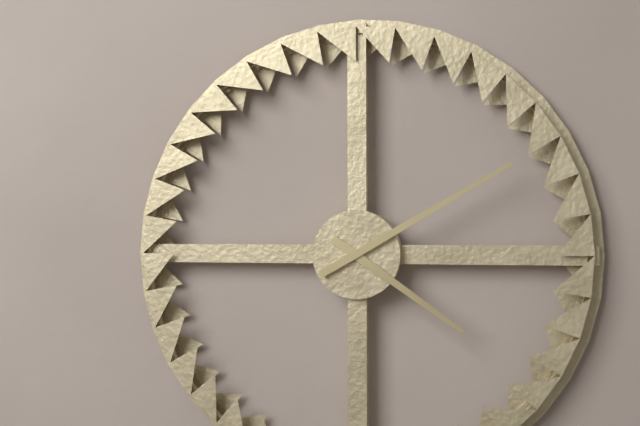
**4:10**
